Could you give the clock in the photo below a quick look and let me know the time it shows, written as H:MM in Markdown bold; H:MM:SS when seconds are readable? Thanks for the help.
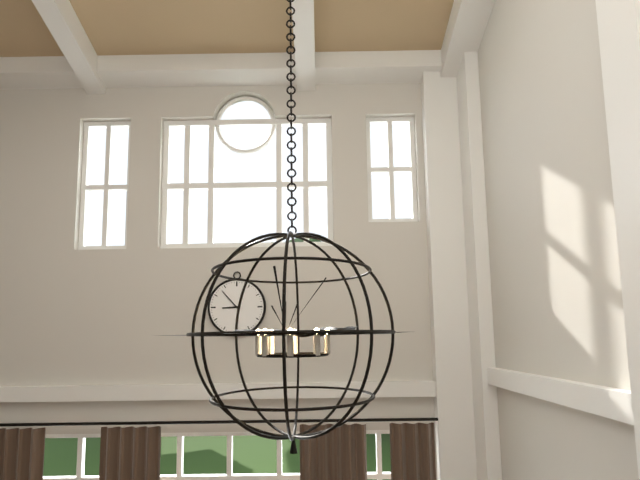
**8:53**
